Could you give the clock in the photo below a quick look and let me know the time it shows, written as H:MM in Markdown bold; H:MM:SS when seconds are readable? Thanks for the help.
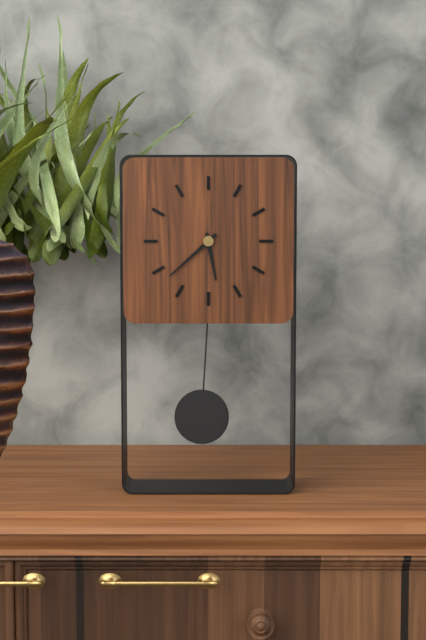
**5:38**
